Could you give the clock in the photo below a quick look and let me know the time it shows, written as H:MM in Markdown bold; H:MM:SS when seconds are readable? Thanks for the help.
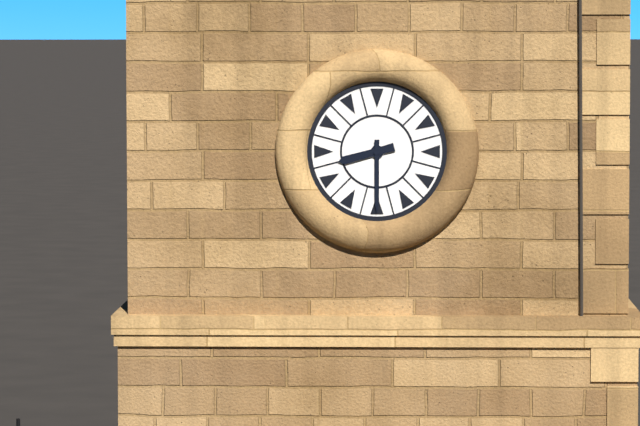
**8:30**
